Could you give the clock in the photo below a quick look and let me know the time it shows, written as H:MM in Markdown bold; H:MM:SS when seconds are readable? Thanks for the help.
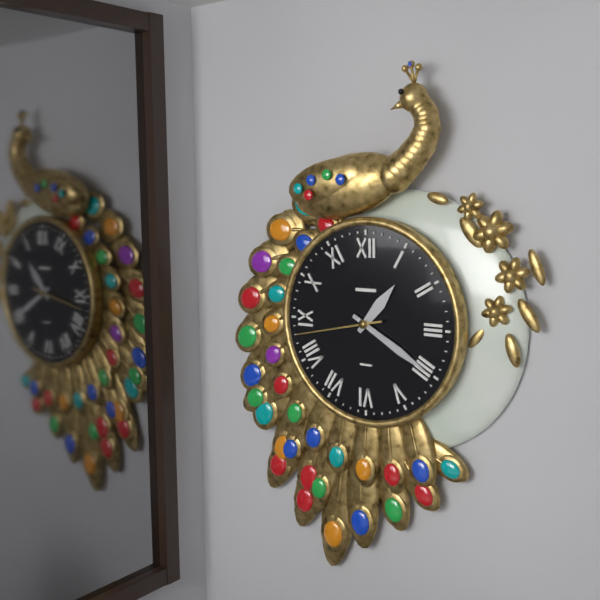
**1:20:43**
